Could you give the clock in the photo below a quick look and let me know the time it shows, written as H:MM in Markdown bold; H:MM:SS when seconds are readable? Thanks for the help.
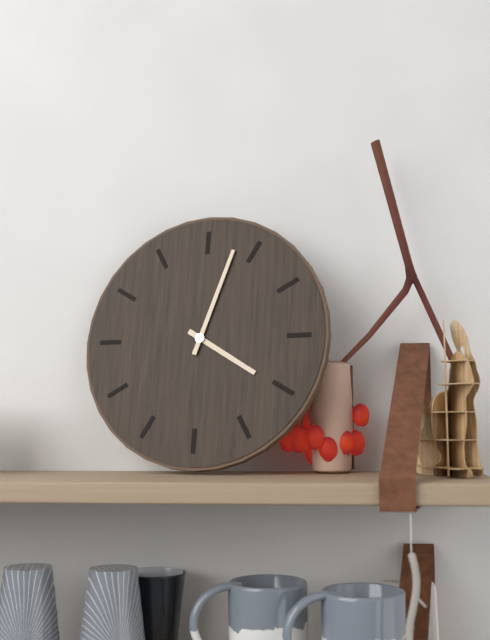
**4:03**
